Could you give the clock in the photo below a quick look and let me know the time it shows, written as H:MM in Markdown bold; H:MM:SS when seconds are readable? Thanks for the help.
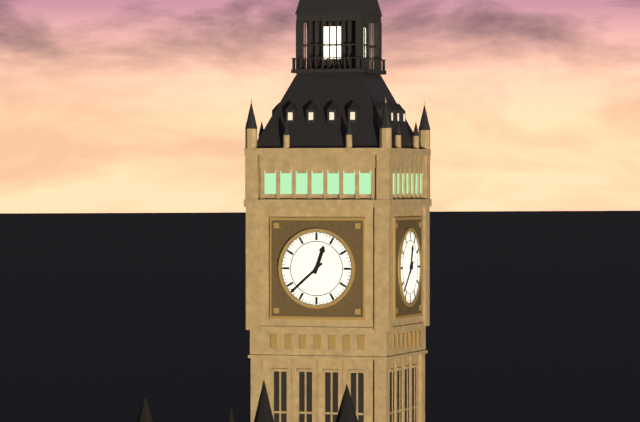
**12:38**
